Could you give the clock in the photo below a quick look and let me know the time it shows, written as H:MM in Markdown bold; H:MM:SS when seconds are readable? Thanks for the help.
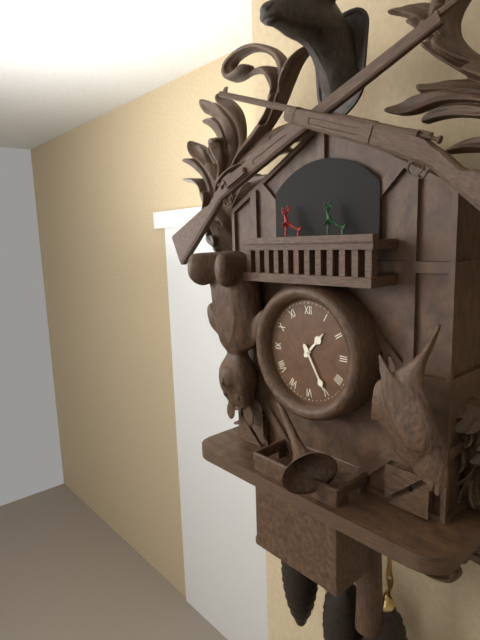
**1:25**
